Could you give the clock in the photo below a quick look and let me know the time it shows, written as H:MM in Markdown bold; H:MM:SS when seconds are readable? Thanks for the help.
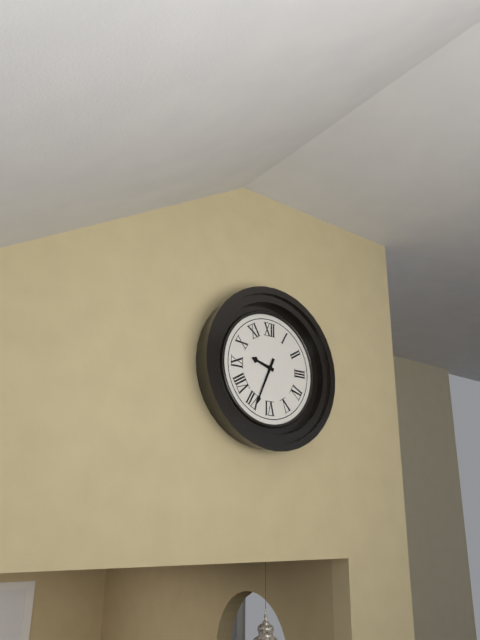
**9:34**
